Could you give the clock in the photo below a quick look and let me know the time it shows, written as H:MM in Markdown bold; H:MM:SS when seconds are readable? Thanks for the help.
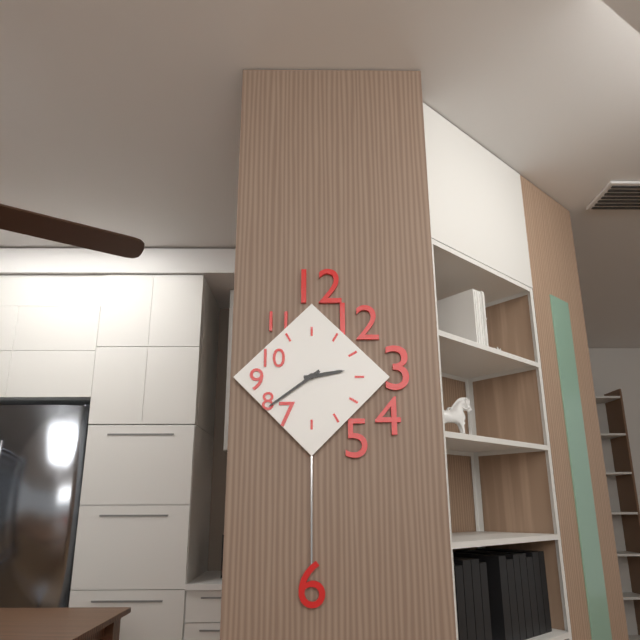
**2:39**
